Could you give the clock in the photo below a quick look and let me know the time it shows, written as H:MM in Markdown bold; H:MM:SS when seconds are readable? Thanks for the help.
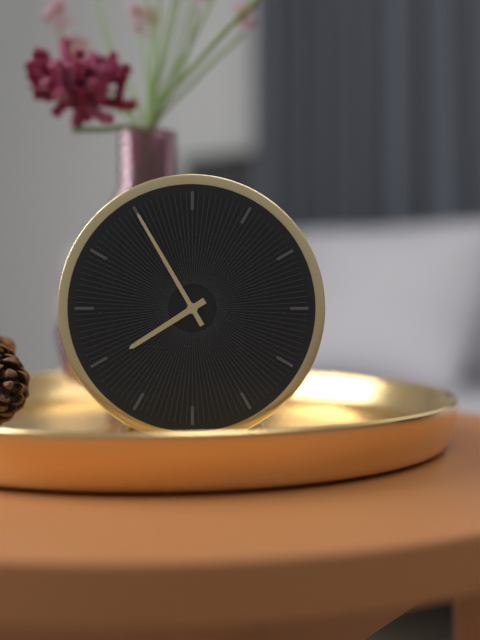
**7:55**
